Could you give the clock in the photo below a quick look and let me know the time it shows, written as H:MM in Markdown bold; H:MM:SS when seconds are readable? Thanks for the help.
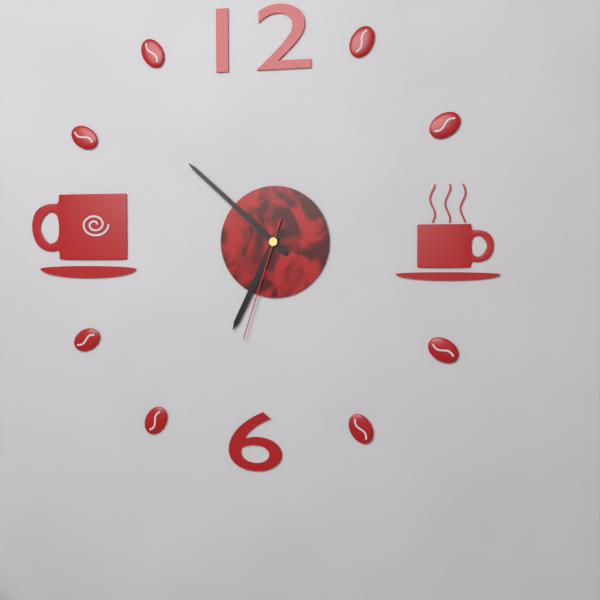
**6:52:33**
